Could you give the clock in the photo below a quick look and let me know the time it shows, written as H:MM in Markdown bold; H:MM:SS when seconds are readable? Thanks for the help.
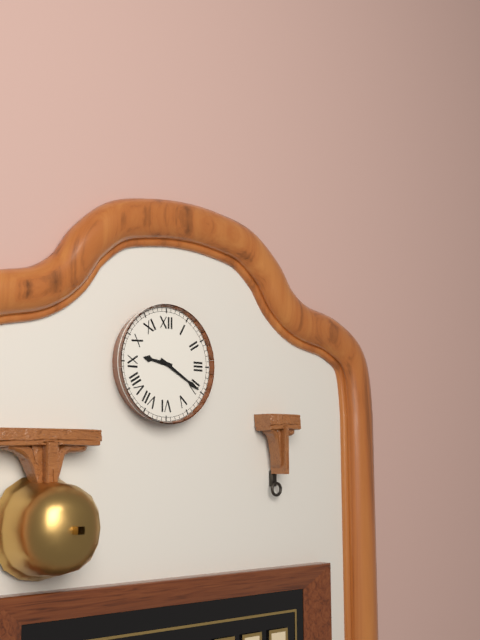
**9:20**
